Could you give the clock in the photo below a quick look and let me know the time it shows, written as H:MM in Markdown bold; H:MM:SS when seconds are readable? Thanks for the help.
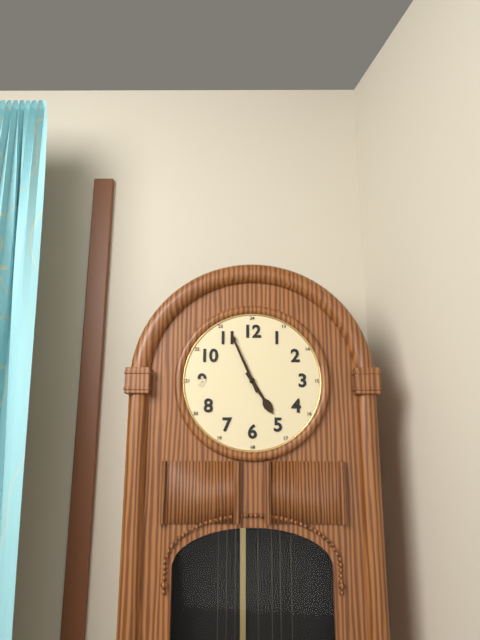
**4:56**
